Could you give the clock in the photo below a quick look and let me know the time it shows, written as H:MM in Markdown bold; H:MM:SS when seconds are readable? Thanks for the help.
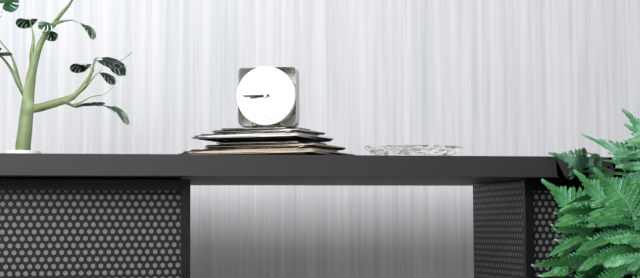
**8:45**
